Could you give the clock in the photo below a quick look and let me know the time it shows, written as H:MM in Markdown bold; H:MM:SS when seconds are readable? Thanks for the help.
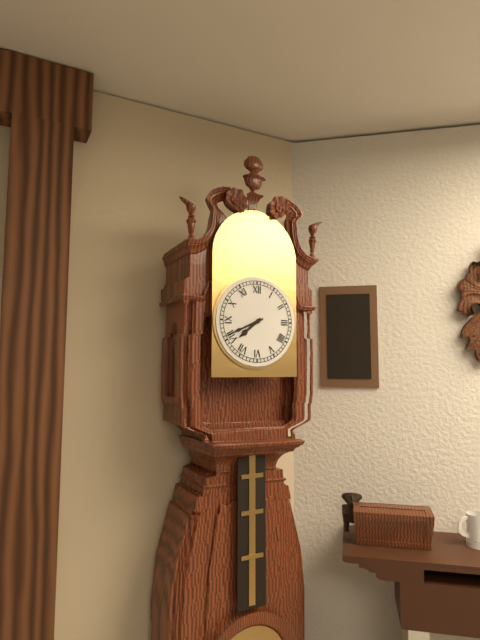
**7:41**
